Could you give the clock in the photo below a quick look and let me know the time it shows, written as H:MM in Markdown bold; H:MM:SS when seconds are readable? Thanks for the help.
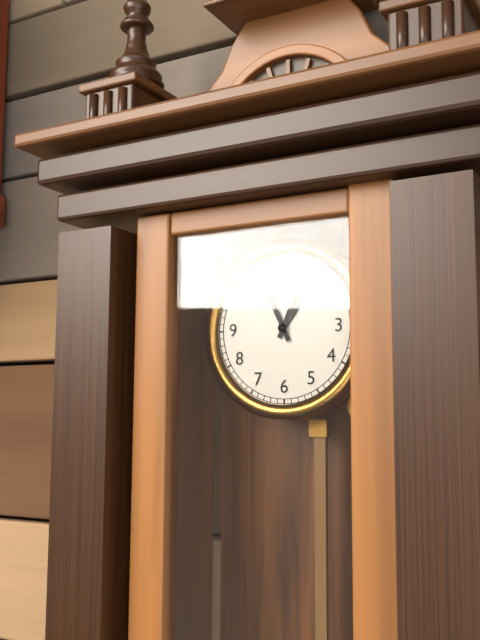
**12:56**
